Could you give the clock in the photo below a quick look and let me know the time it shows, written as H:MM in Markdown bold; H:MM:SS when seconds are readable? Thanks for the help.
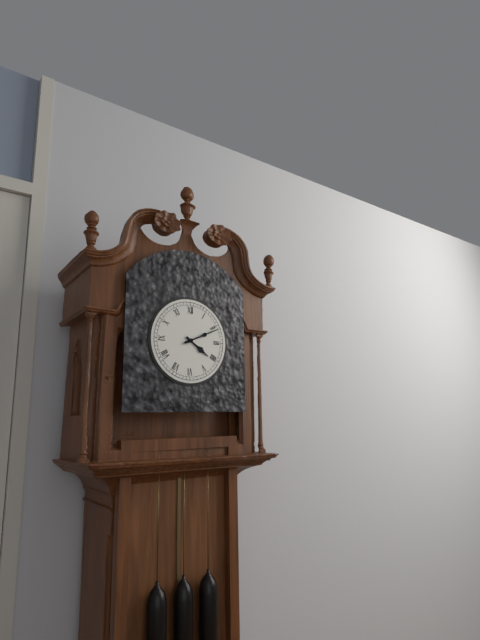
**4:11**
